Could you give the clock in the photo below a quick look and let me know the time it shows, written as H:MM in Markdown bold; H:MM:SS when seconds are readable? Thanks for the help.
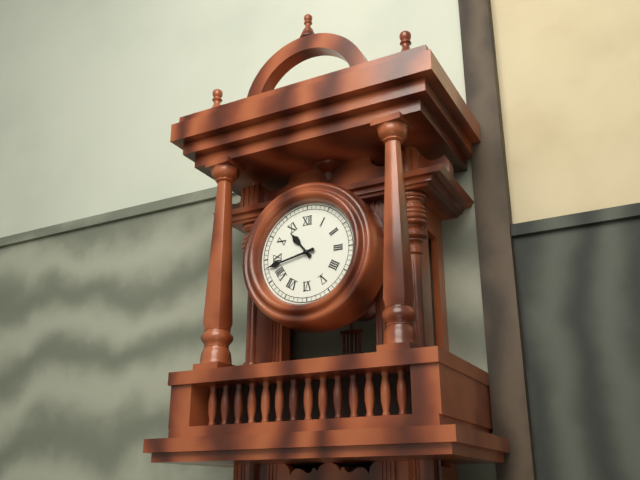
**10:43**
